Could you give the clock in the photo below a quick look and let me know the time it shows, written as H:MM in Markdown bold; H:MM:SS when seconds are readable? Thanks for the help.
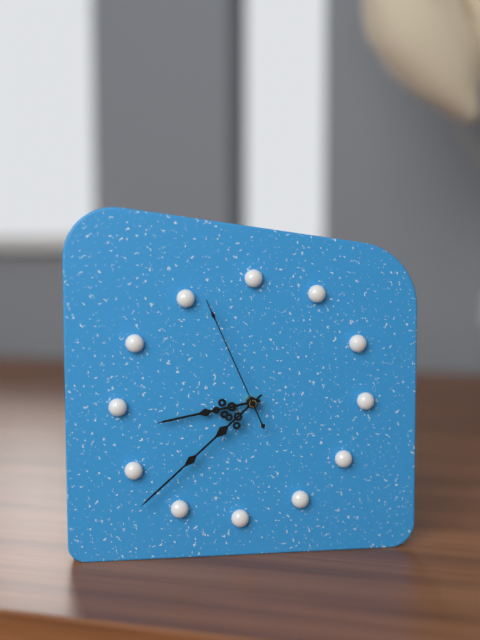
**8:38:56**
